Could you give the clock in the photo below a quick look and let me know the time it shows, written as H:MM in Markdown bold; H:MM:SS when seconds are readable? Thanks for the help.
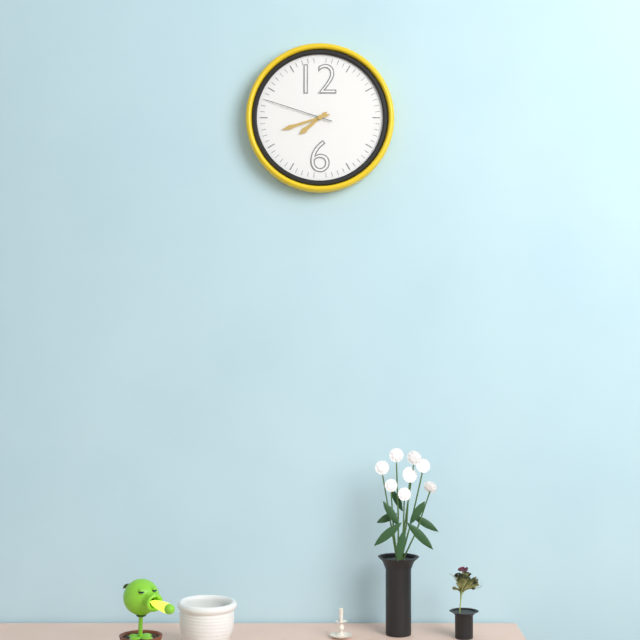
**7:42:48**
